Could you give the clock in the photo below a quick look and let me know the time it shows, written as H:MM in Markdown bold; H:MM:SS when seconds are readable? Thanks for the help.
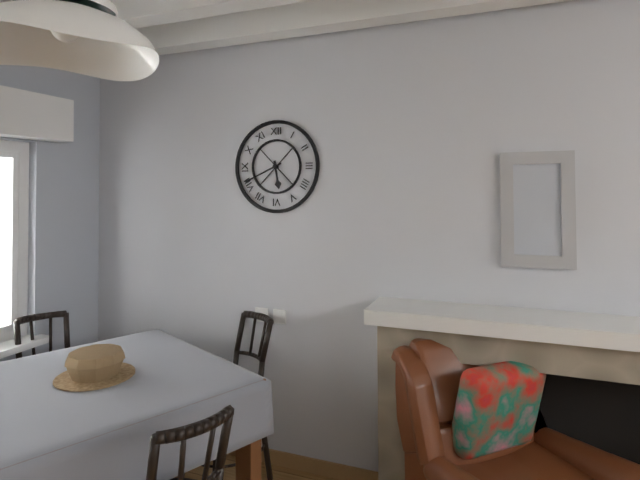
**5:41**
